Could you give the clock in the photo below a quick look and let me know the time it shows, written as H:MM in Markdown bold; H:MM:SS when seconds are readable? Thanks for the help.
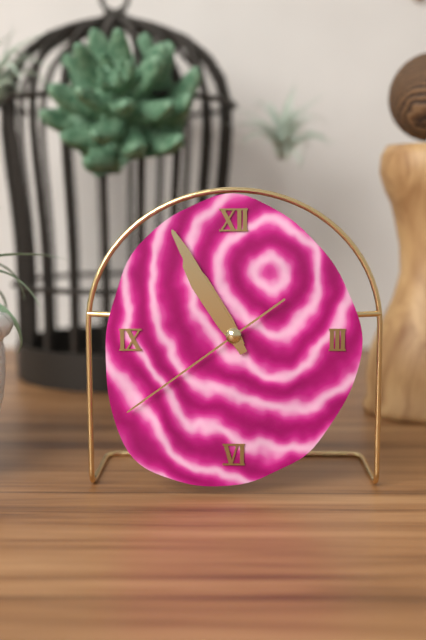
**10:55:39**
